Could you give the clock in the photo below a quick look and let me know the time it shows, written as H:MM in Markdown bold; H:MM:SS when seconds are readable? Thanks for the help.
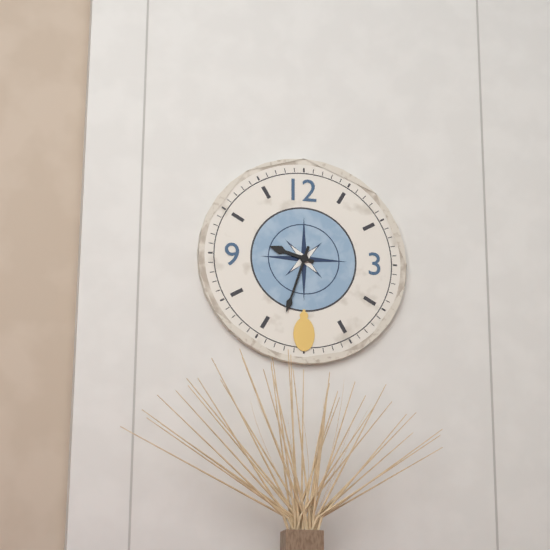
**9:33**
